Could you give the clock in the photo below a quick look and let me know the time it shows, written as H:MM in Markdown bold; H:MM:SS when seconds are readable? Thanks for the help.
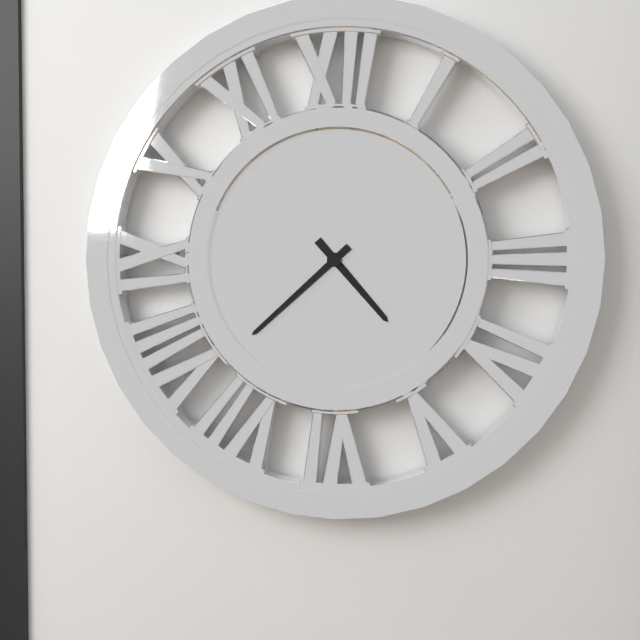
**4:38**
